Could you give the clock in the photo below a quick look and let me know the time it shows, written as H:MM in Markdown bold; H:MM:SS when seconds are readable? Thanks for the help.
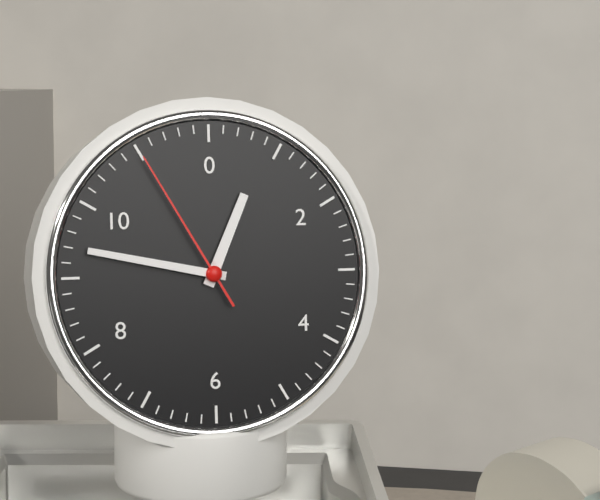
**12:47:55**
